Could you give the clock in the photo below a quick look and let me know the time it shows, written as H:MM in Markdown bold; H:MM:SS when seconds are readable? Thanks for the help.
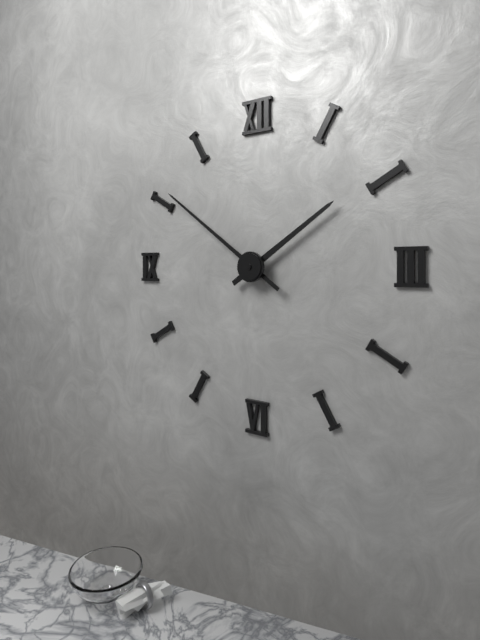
**1:51**
